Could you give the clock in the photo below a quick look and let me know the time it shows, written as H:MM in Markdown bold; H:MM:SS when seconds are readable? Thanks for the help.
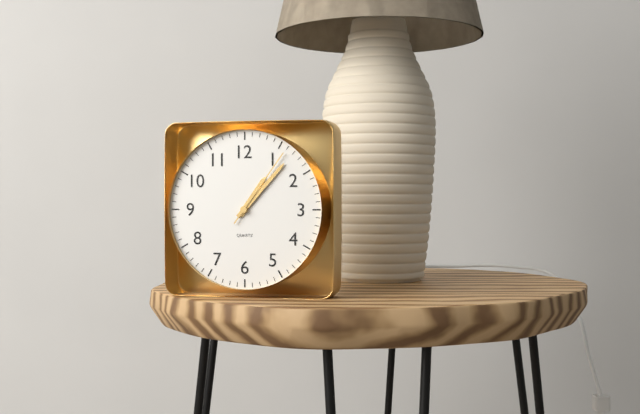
**1:07:06**
